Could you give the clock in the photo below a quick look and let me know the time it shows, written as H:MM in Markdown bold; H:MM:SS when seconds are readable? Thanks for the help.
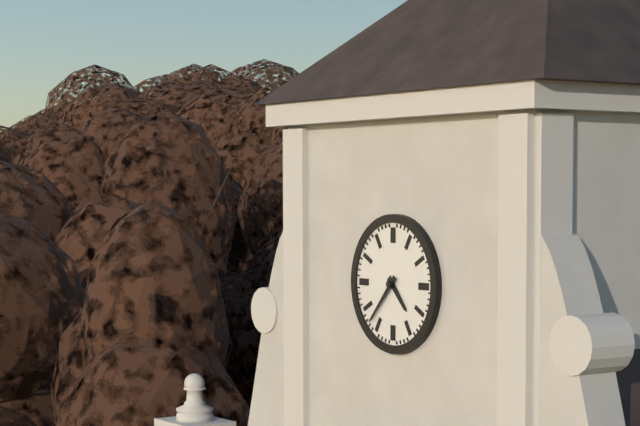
**4:37**
